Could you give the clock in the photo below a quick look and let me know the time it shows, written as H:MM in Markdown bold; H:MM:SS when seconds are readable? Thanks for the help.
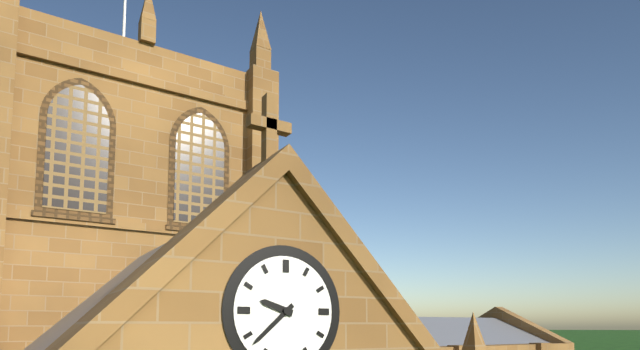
**9:38**
